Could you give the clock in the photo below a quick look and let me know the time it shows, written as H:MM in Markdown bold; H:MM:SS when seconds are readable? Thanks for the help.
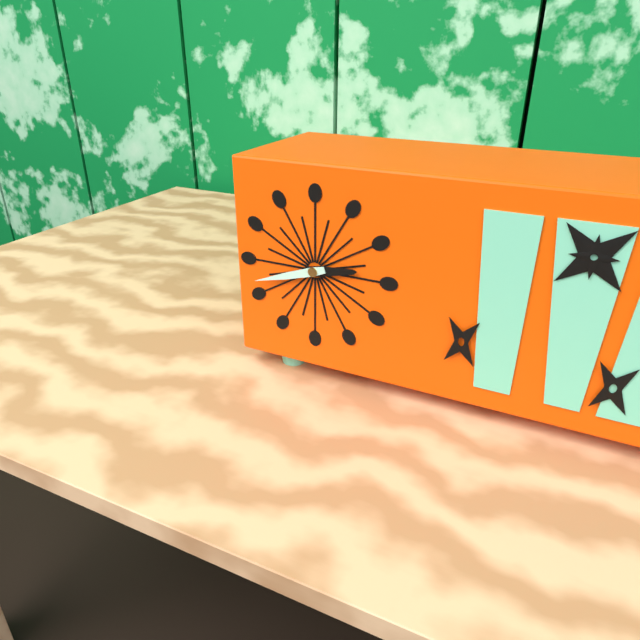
**2:42**
